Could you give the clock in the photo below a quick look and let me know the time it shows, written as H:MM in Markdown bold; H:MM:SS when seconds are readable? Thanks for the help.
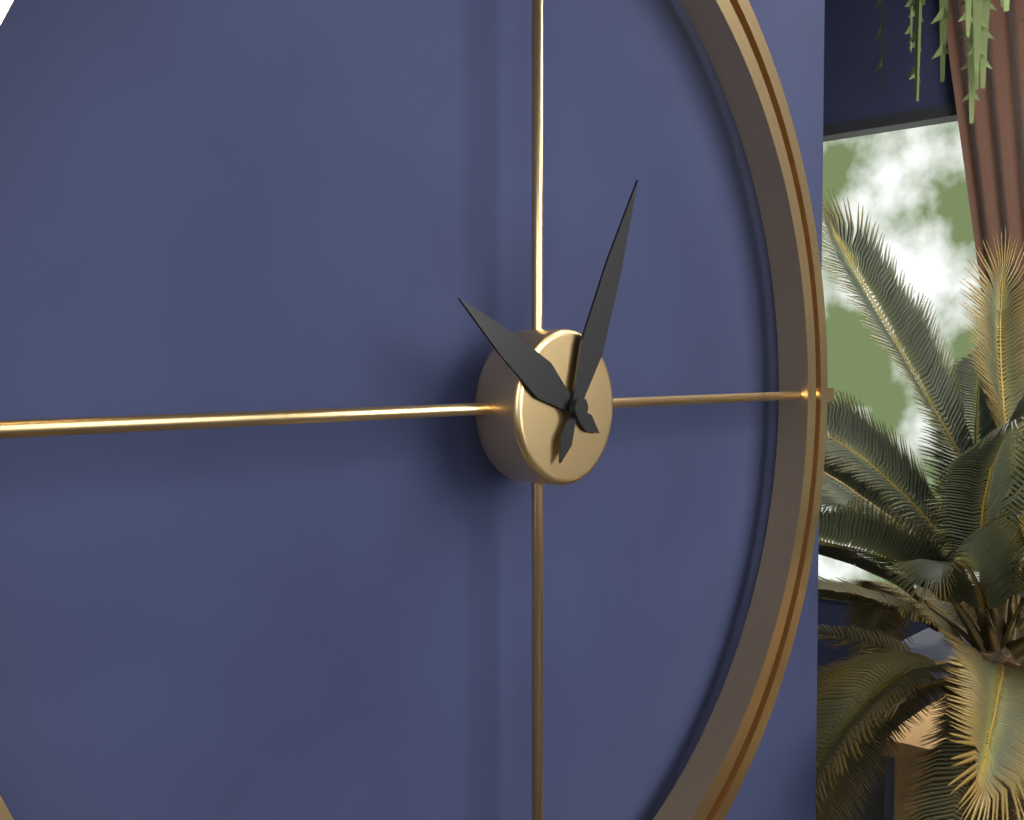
**10:04**
